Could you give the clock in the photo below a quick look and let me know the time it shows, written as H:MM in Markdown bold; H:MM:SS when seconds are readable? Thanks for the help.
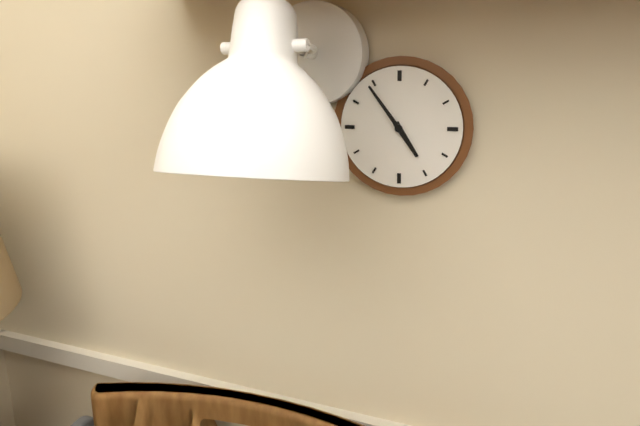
**4:54**
